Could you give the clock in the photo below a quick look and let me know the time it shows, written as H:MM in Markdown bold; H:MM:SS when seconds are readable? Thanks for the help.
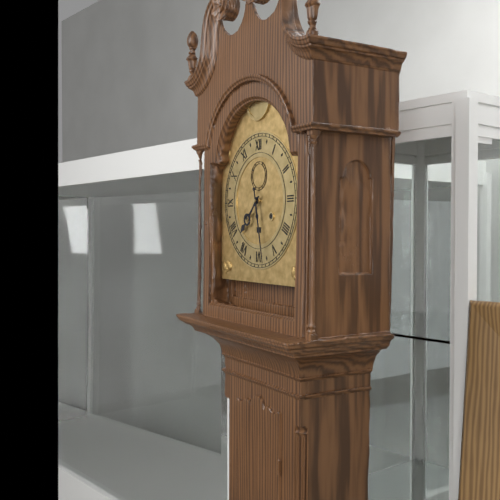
**7:28**
